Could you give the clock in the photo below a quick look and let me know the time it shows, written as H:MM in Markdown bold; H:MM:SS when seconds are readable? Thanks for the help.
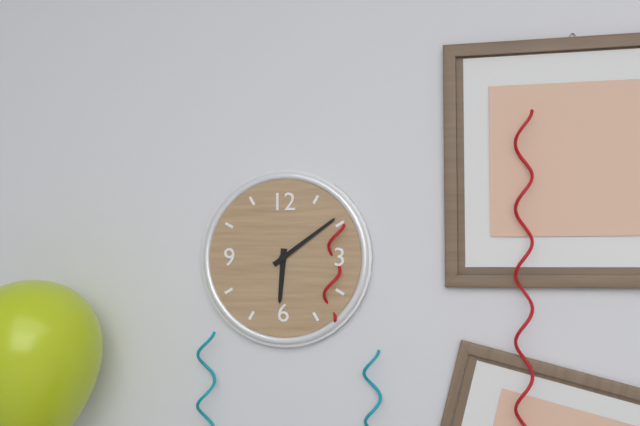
**6:09**
